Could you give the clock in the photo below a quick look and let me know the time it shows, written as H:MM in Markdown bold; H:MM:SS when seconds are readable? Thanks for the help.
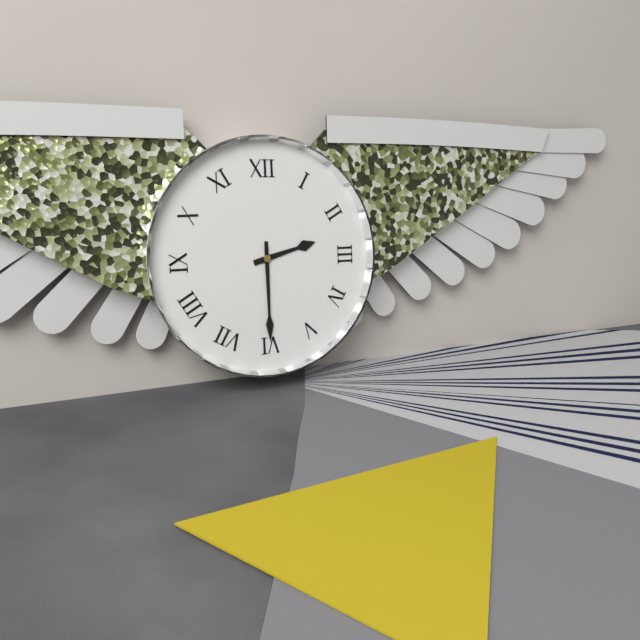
**2:30**
